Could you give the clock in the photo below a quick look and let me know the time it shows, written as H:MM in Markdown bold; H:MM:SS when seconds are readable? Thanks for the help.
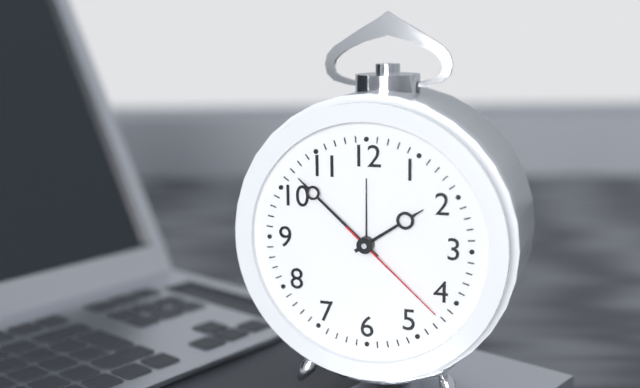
**1:52:22**
